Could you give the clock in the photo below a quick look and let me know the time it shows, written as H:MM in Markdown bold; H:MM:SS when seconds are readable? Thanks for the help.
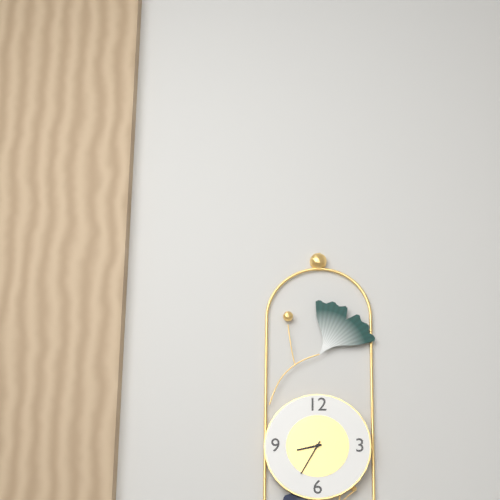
**8:35**
